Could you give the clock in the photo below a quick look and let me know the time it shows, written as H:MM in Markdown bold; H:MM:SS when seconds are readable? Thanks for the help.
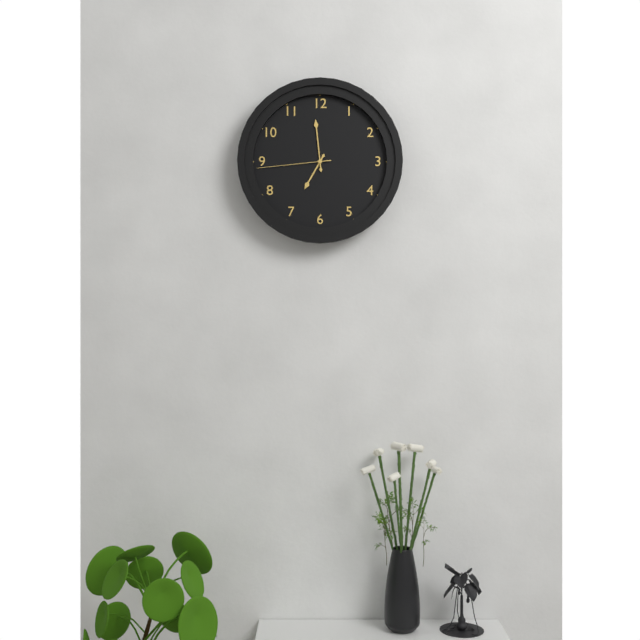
**6:59:44**
